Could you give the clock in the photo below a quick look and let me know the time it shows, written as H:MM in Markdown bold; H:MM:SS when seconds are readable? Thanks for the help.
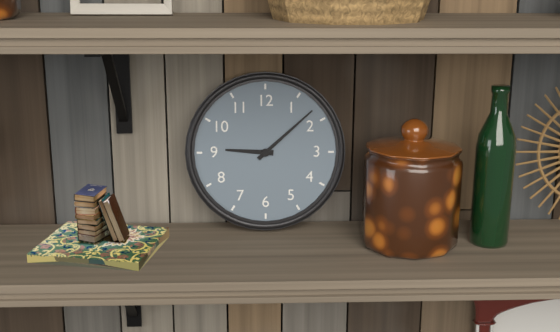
**9:08**
